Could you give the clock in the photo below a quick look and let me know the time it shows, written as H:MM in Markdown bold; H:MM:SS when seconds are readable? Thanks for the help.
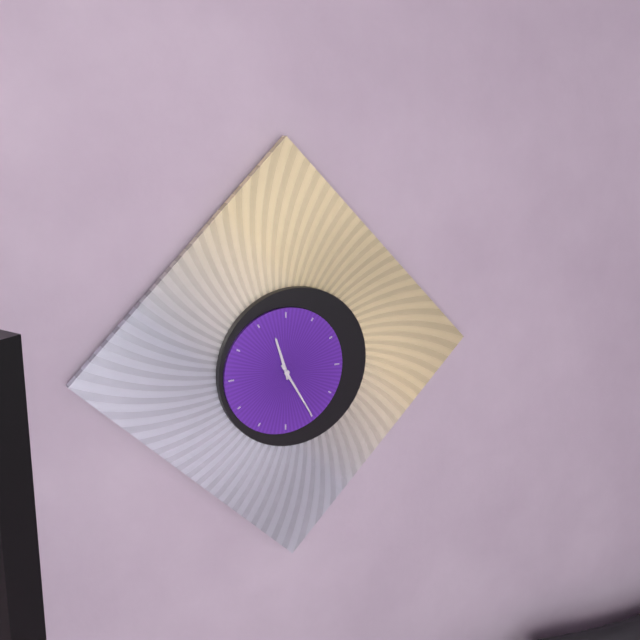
**11:25**
